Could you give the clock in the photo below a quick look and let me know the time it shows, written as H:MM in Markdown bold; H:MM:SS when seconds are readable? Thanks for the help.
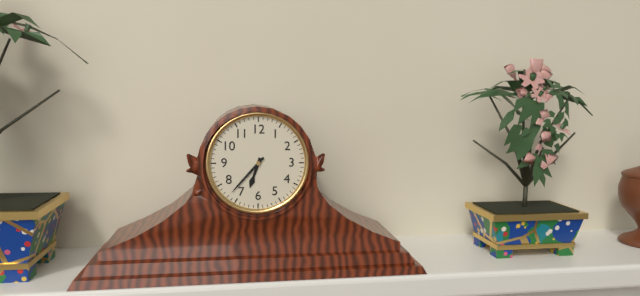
**6:37**
